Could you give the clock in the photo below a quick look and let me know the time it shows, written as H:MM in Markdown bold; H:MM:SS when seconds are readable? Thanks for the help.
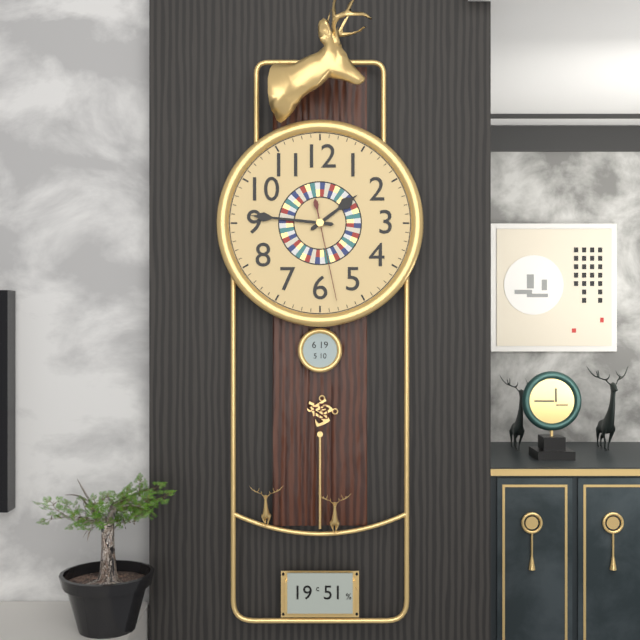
**1:46:28**
